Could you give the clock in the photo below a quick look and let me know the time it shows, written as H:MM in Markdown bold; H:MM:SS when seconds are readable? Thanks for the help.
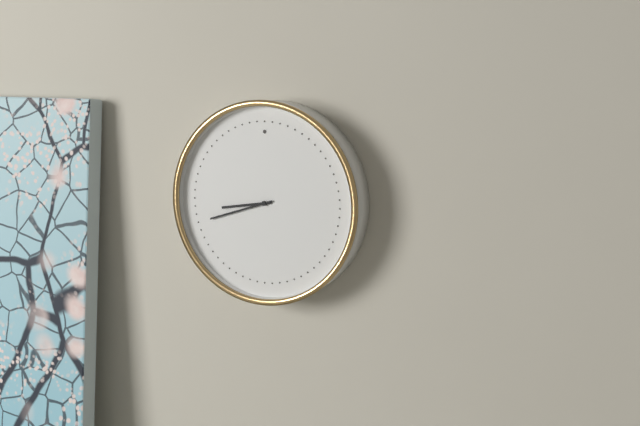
**8:42**
